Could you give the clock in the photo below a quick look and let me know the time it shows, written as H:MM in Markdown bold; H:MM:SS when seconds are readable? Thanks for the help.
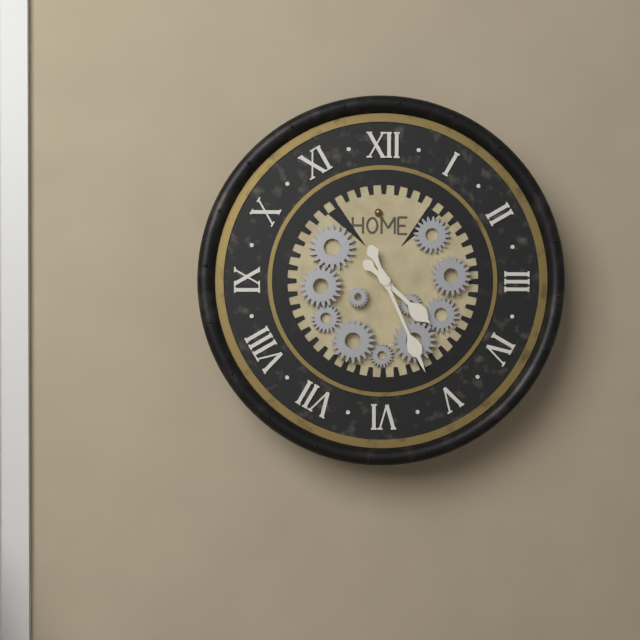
**4:26**
